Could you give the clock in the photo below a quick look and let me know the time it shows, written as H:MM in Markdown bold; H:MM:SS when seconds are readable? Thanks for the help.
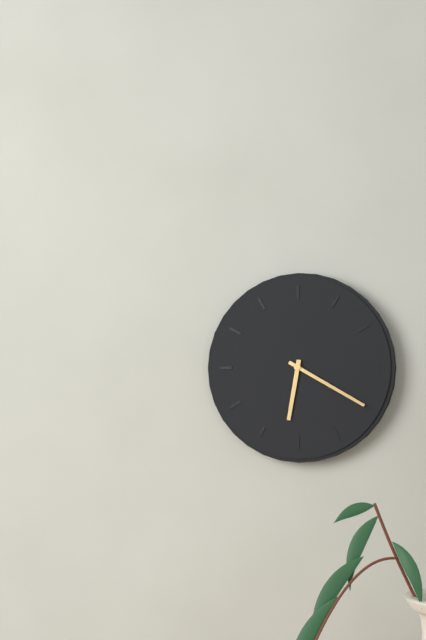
**6:20**
